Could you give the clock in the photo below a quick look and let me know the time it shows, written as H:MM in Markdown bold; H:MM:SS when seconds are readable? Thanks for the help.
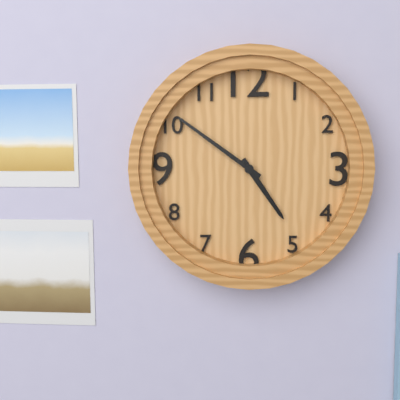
**4:51**
